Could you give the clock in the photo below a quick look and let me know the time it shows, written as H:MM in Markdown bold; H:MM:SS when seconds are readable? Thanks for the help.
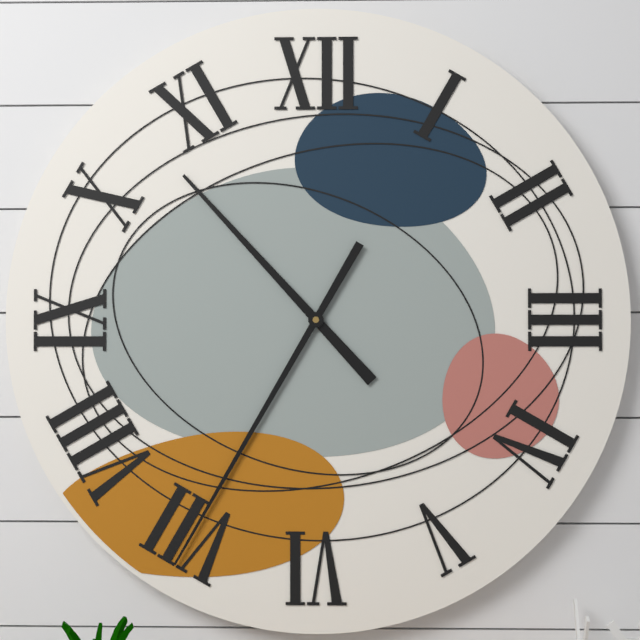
**10:35**
